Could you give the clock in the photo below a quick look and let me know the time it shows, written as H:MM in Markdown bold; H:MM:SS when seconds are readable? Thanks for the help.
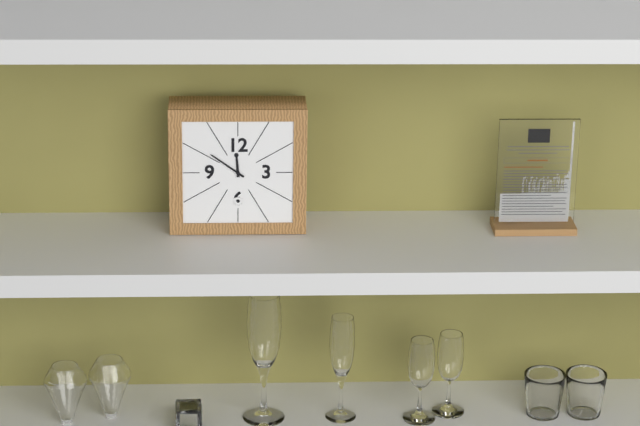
**11:51**
